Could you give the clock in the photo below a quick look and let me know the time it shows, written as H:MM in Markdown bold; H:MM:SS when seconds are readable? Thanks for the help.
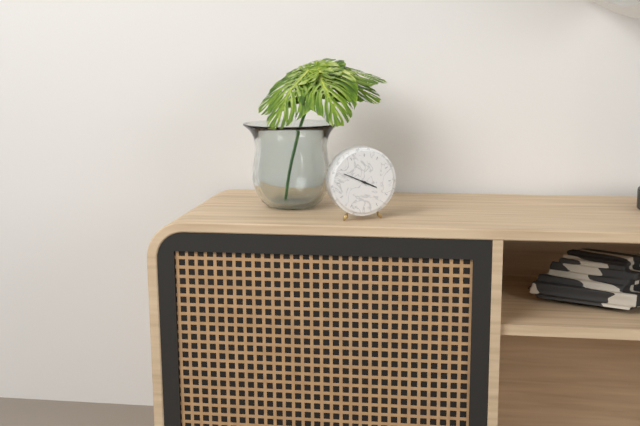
**3:49**
